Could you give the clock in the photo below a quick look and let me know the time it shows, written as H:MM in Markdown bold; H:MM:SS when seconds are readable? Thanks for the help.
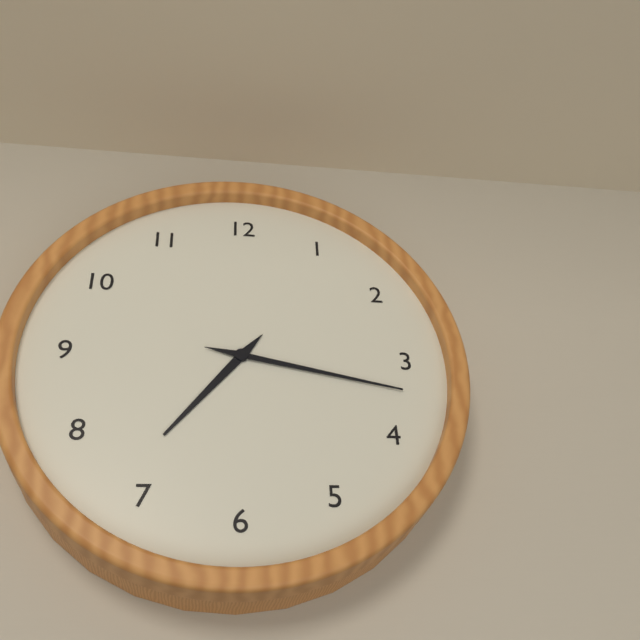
**7:17**
